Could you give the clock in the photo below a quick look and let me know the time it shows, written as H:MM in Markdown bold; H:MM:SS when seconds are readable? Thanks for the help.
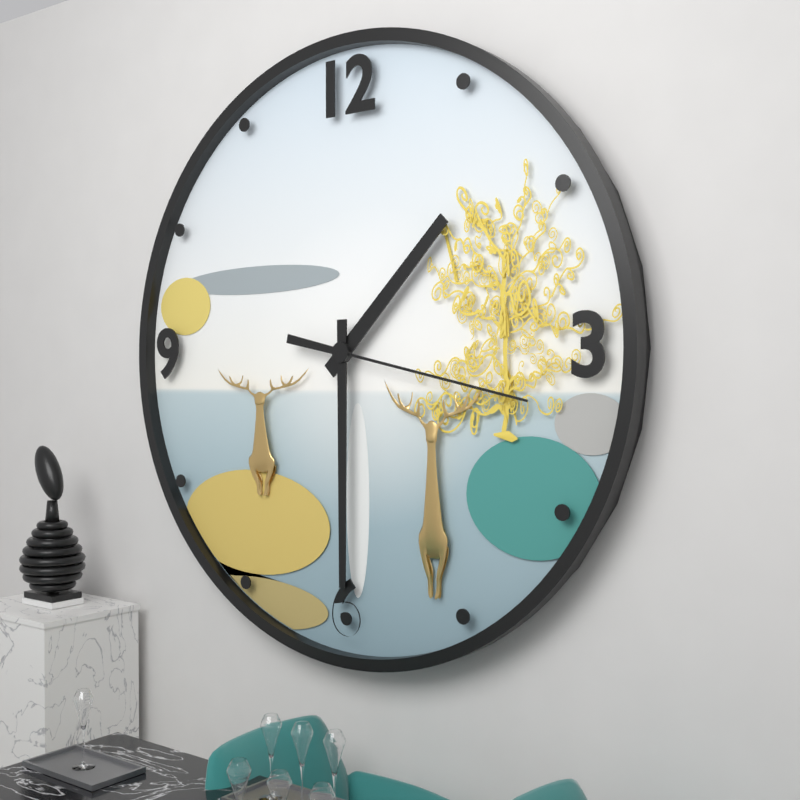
**1:30:17**
